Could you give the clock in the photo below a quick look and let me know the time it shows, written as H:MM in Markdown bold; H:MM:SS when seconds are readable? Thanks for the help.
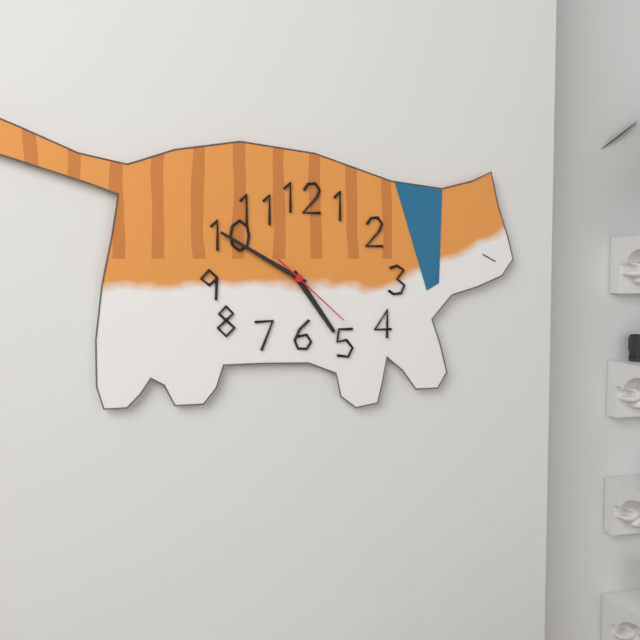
**4:50:22**
